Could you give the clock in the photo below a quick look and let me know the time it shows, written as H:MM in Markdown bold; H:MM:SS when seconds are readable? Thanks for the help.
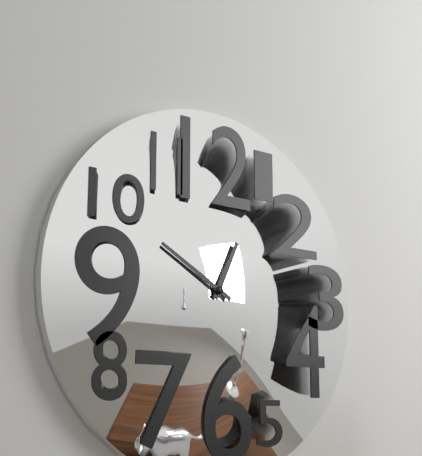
**12:50**
